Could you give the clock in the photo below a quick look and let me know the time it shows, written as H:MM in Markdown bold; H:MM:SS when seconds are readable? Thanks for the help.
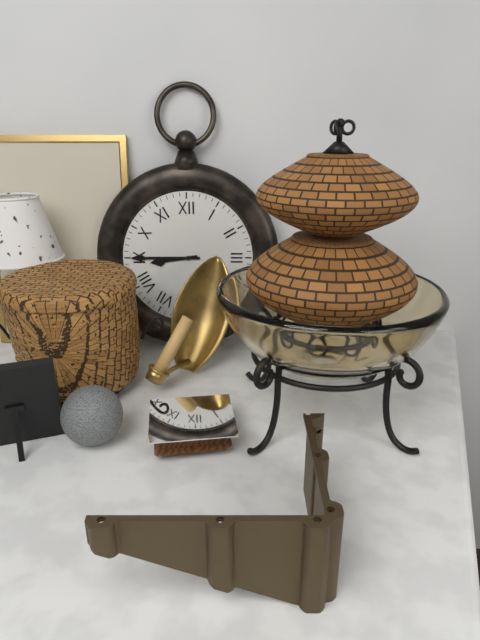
**8:45**
